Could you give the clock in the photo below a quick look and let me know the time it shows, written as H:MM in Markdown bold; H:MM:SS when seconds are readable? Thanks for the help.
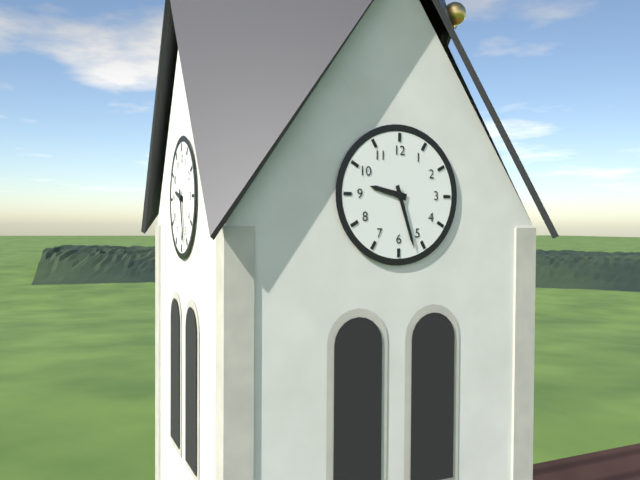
**9:27**
